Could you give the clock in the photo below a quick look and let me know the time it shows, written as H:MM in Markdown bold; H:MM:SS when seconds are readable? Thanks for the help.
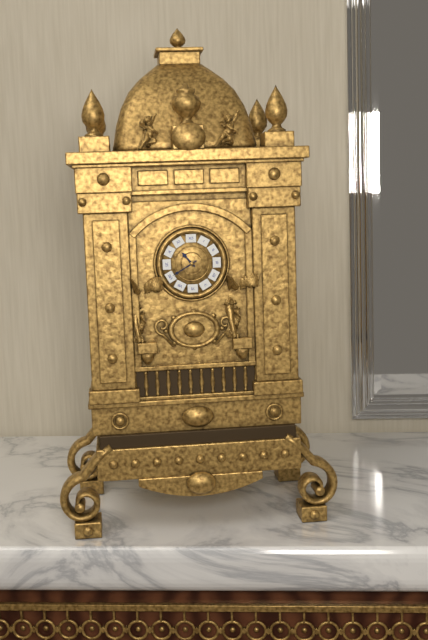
**10:40**
